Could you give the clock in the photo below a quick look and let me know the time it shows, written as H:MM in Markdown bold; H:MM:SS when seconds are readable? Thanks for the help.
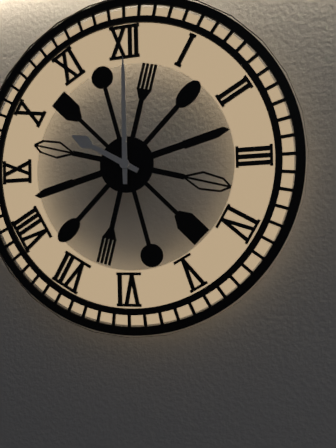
**10:00**
